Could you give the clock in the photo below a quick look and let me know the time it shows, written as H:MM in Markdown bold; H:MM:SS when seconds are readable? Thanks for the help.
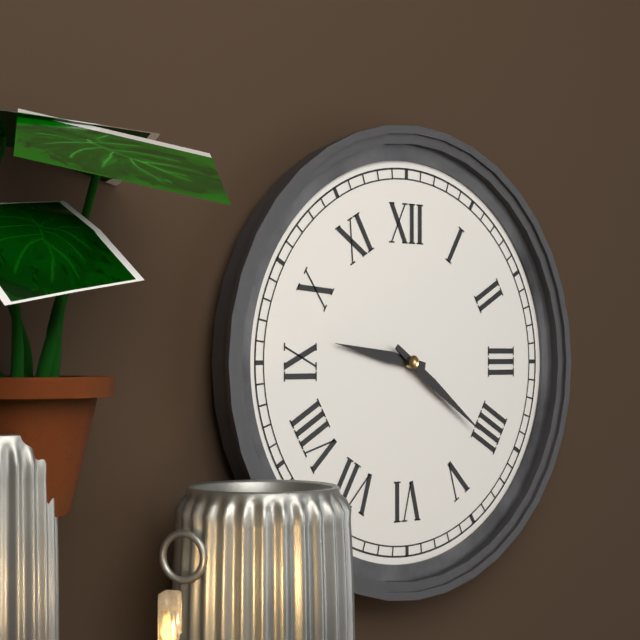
**9:21**
